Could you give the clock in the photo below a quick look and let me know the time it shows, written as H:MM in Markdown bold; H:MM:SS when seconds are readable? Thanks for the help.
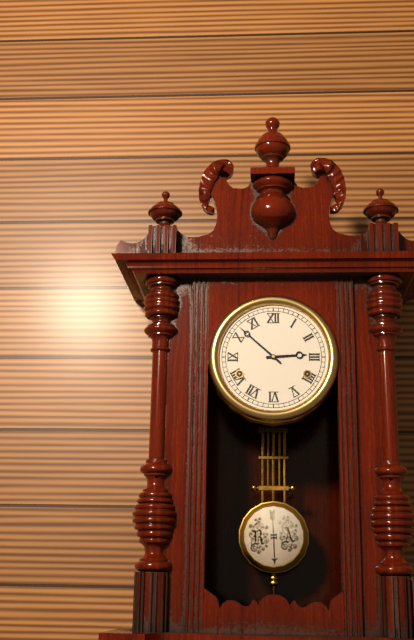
**2:52**
